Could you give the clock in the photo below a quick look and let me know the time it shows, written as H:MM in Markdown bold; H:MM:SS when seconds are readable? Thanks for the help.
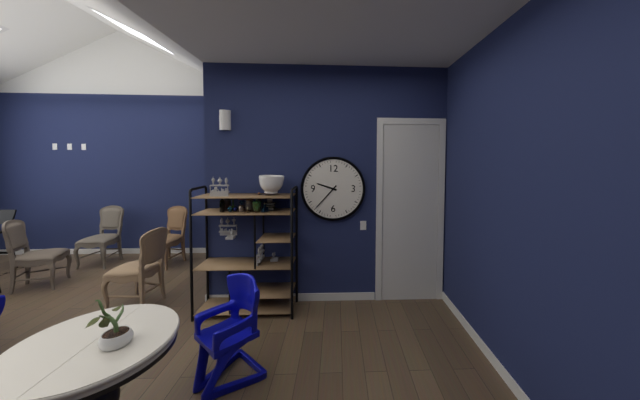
**9:37**
